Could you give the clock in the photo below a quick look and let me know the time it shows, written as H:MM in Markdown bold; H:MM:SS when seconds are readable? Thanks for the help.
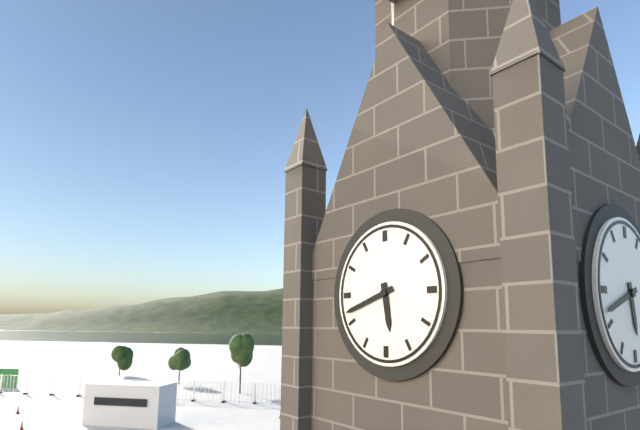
**5:42**
